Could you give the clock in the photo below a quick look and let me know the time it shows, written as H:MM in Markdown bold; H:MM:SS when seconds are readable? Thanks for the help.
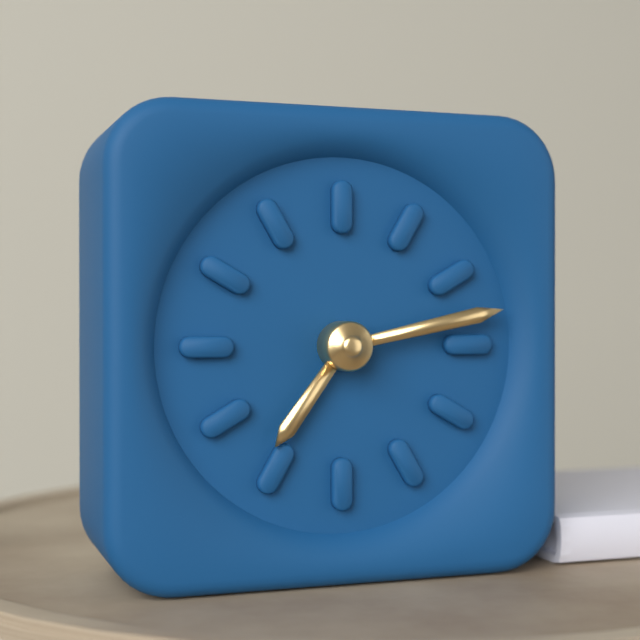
**7:13**
